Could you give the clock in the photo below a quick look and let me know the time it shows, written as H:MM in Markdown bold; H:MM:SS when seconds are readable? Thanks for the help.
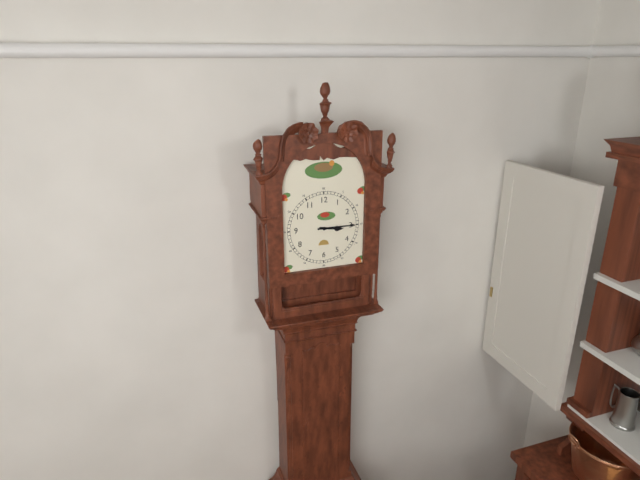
**3:15**
